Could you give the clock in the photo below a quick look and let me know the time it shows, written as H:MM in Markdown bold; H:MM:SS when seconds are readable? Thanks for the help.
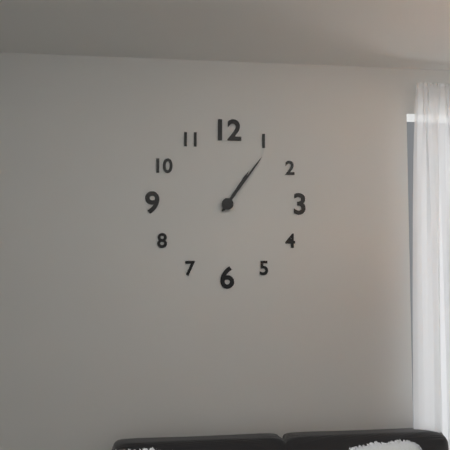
**1:06**
